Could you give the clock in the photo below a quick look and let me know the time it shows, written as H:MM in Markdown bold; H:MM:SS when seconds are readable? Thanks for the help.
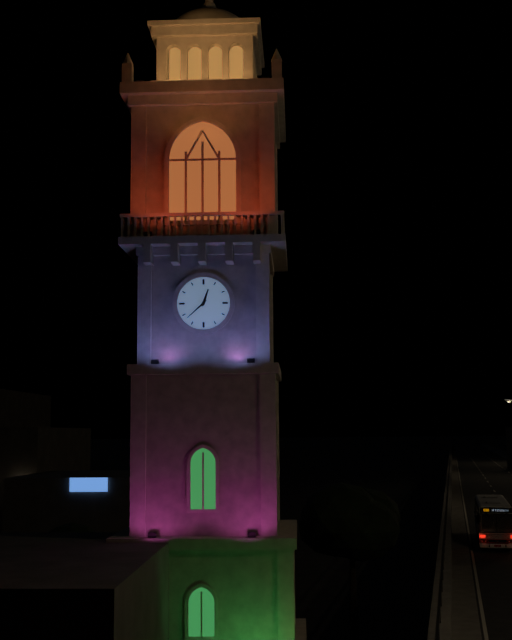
**12:38**
